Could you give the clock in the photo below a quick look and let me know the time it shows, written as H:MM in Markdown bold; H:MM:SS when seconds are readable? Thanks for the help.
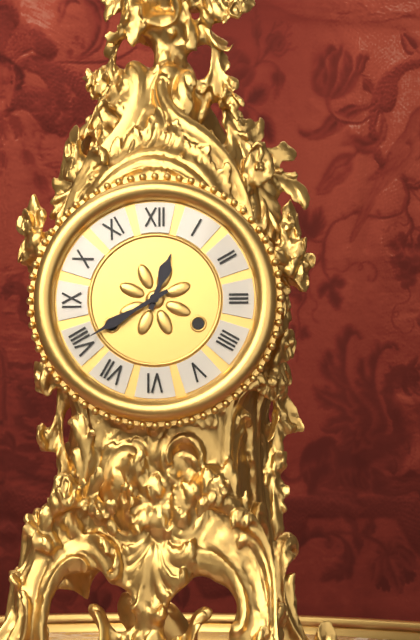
**12:40**
